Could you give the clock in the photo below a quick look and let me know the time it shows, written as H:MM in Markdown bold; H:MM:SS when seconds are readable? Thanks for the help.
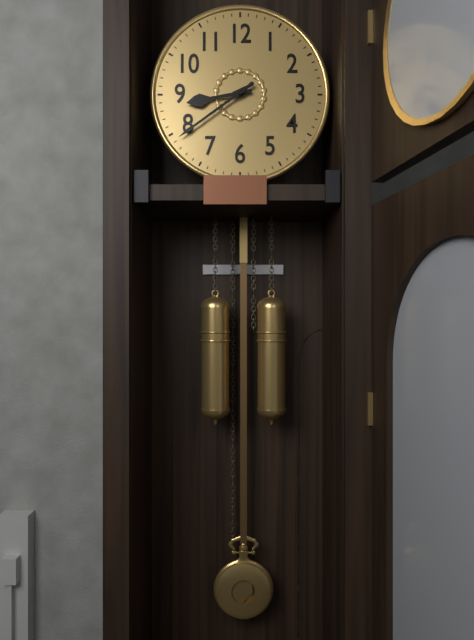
**8:39**
